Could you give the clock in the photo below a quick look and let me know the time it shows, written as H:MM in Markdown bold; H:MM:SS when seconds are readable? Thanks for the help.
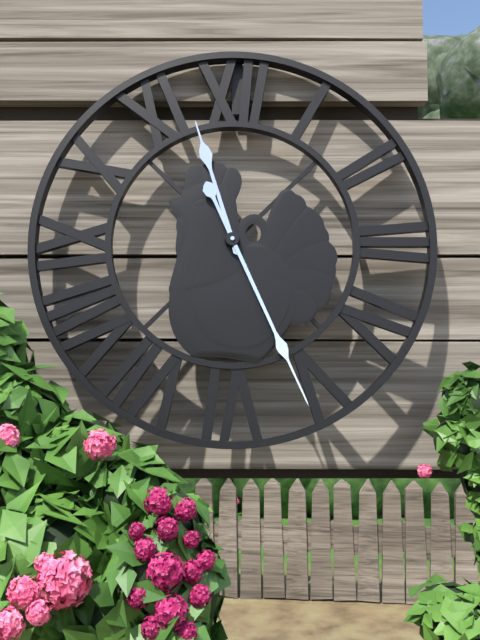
**11:26**
